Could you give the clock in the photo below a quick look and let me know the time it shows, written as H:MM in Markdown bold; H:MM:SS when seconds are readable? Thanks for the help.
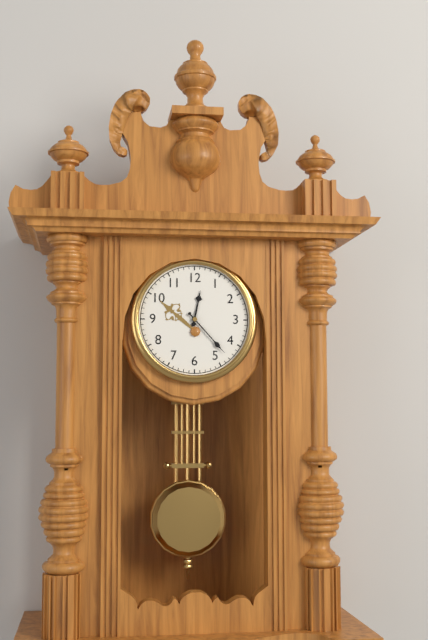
**12:23**
